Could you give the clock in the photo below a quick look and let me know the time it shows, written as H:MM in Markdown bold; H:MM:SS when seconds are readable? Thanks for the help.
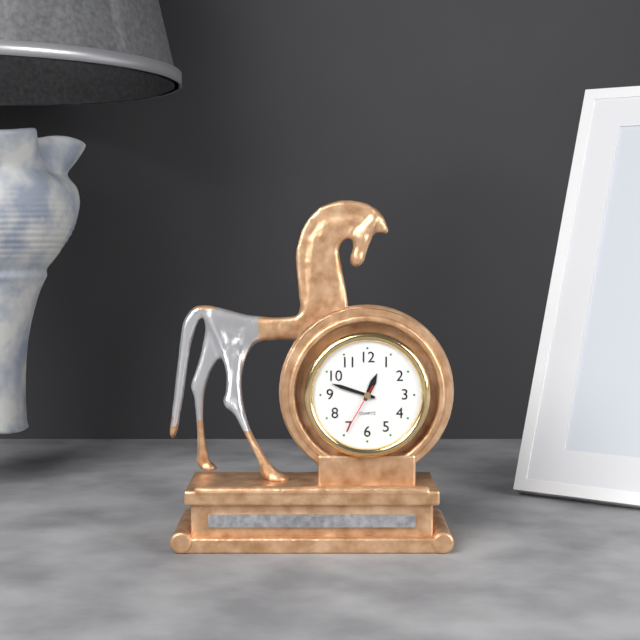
**12:48:35**
